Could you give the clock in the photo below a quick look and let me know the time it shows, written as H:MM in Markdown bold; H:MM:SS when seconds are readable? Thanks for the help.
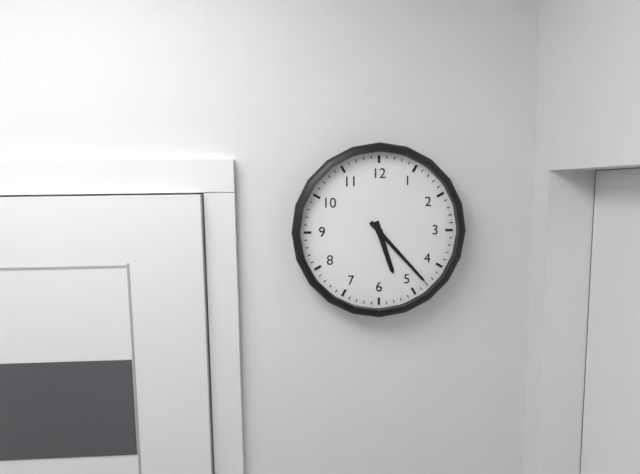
**5:23**
